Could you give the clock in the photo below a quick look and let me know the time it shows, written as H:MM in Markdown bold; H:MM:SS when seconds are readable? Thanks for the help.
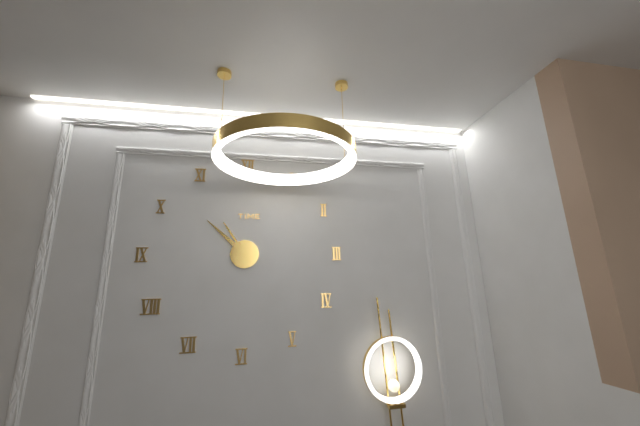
**10:52**
